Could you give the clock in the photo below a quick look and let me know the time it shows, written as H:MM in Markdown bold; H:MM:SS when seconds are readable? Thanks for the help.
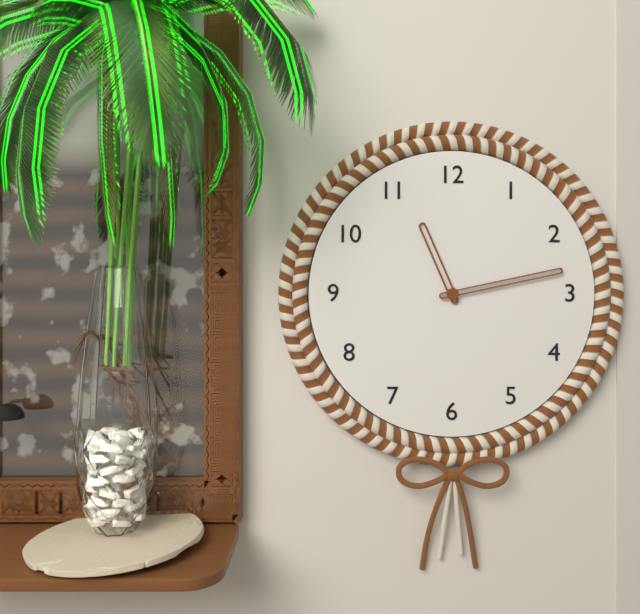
**11:13**
